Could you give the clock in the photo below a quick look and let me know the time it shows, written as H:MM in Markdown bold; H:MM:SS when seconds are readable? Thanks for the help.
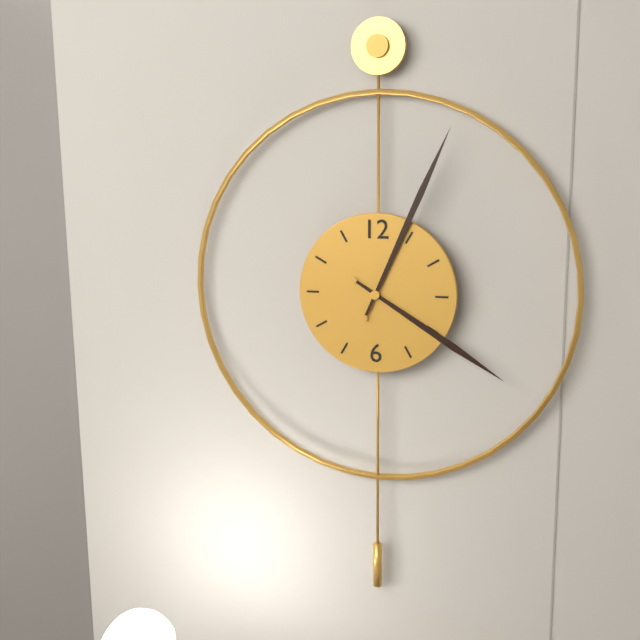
**4:04**
